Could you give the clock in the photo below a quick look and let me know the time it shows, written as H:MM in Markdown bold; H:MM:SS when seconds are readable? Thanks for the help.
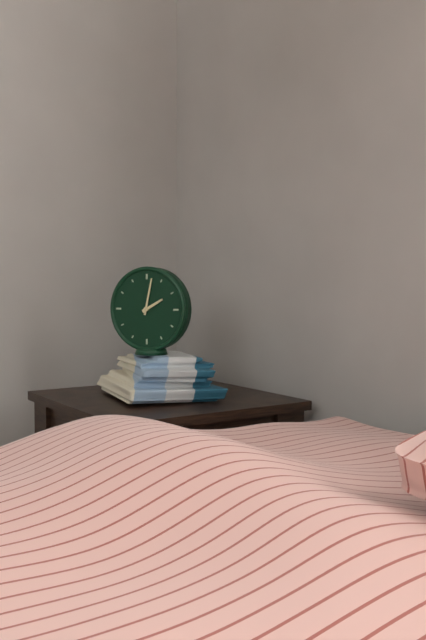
**2:02**
